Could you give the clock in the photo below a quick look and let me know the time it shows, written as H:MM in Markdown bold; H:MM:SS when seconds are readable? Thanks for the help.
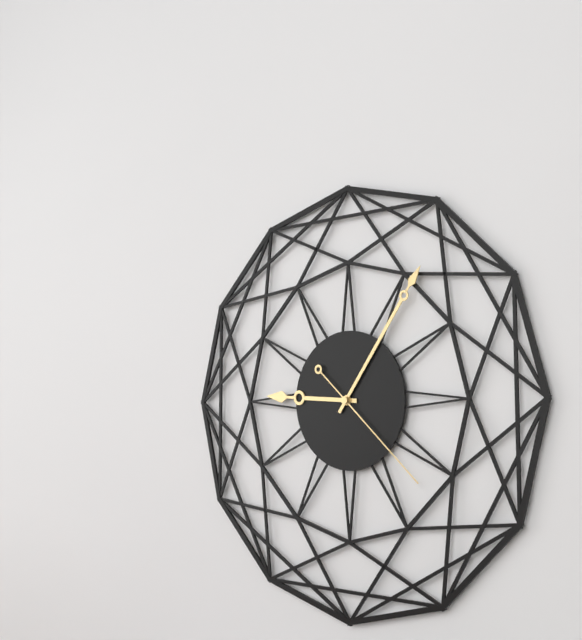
**9:06:22**
